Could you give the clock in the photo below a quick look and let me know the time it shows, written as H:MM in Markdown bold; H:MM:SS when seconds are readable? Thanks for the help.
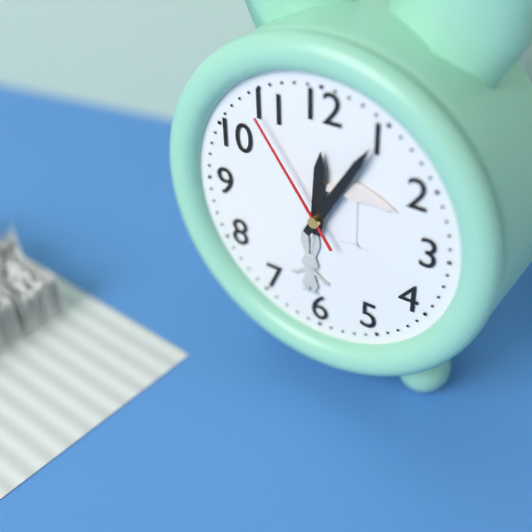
**12:05:54**
